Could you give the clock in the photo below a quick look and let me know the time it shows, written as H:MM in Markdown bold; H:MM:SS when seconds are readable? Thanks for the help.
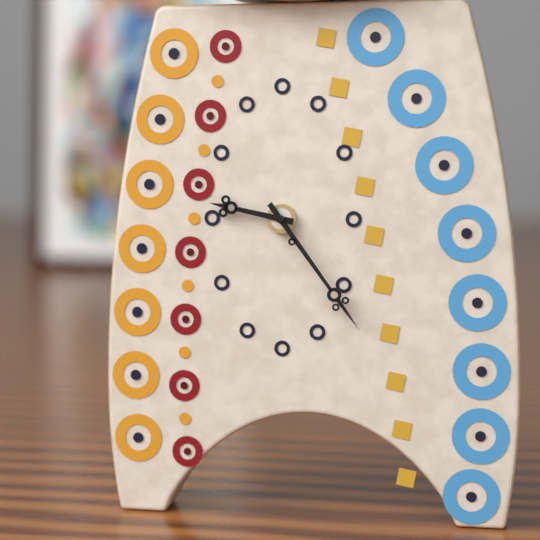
**9:24**
